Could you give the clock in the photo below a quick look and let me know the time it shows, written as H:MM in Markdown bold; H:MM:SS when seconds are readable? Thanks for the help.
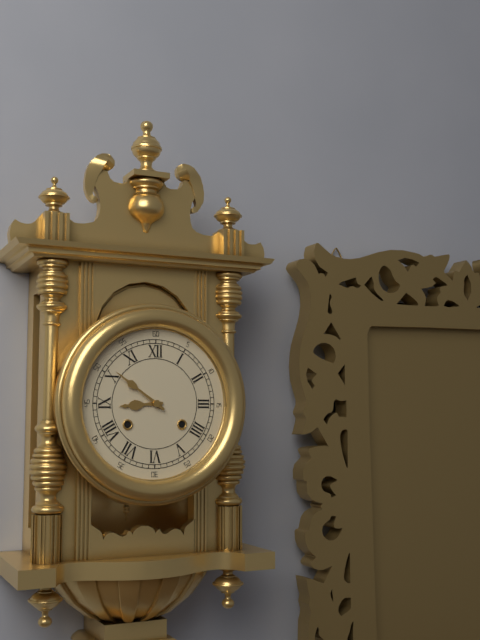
**8:51**
